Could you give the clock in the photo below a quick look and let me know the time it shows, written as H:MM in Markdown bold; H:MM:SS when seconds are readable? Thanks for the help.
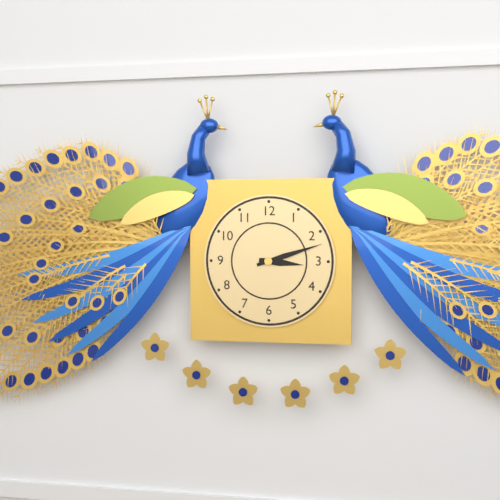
**3:12**
